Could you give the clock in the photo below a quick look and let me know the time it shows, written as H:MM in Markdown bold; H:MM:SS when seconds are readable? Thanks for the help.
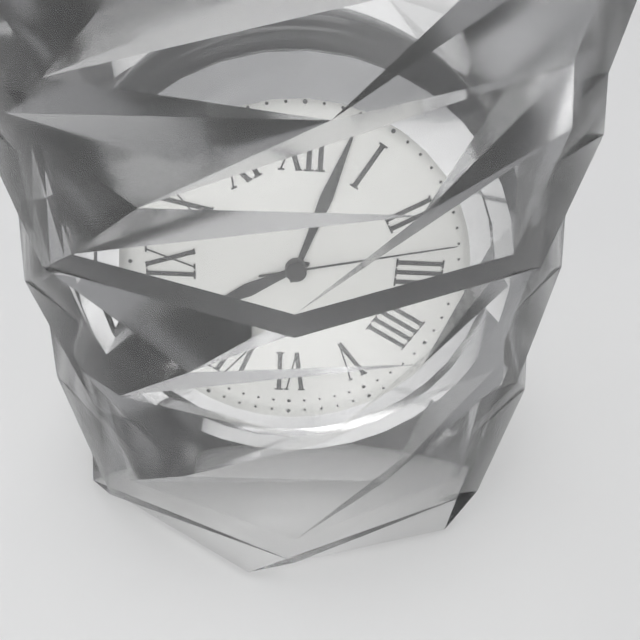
**8:03:13**
